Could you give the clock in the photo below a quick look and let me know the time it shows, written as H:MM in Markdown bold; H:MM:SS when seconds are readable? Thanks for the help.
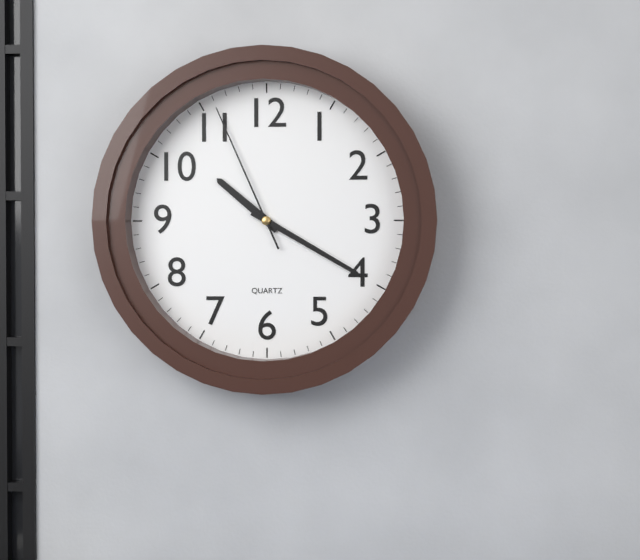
**10:20:56**
